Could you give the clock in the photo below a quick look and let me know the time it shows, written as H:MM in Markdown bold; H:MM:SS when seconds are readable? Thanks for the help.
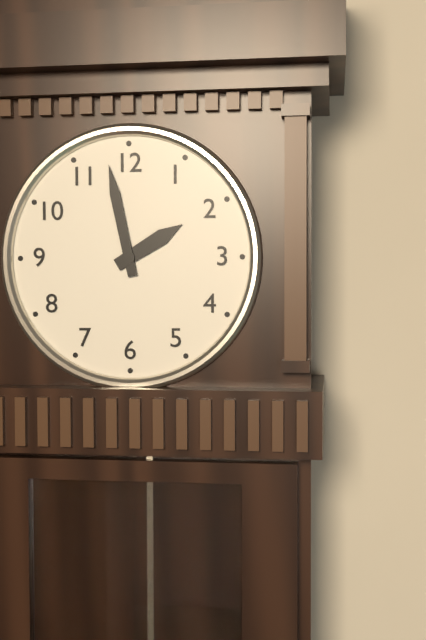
**1:58**
